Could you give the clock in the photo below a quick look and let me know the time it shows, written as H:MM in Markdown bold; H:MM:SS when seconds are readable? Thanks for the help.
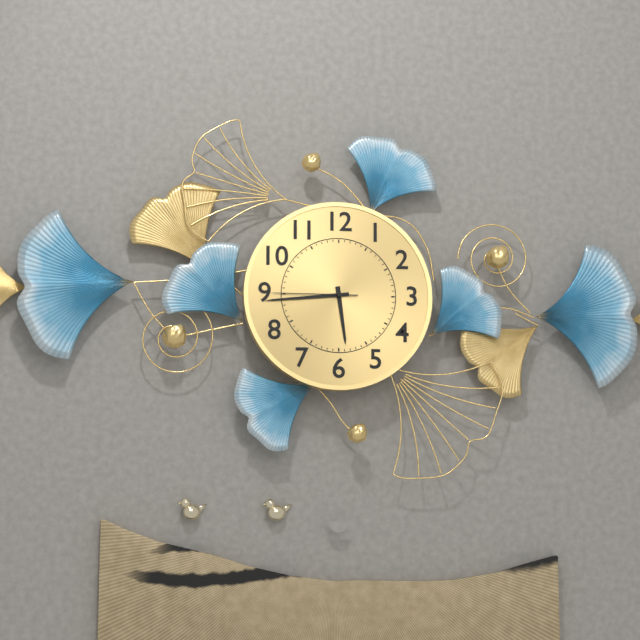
**5:44:45**
